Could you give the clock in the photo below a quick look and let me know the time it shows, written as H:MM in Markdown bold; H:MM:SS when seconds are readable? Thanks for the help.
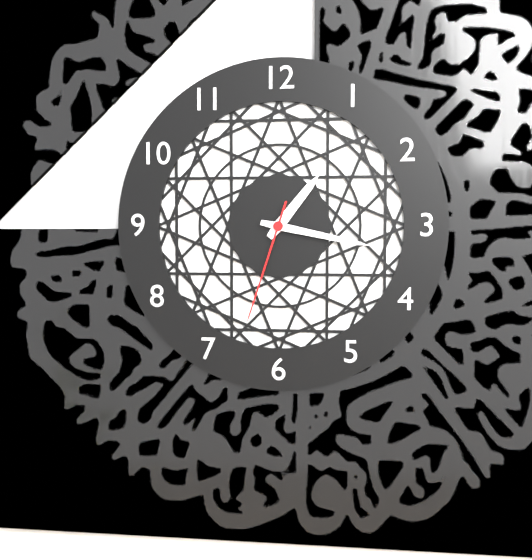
**1:17:33**
